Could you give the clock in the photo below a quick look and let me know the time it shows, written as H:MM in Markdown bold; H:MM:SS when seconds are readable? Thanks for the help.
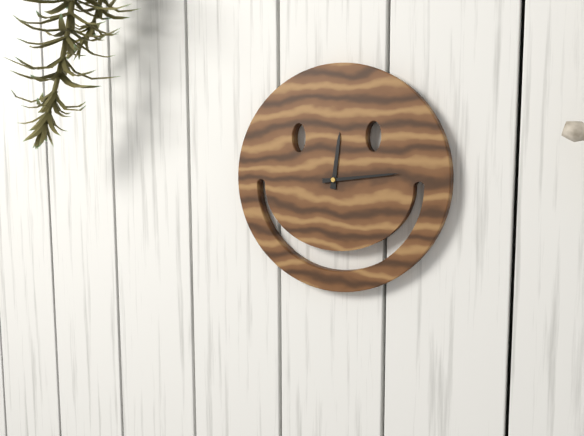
**12:14**
